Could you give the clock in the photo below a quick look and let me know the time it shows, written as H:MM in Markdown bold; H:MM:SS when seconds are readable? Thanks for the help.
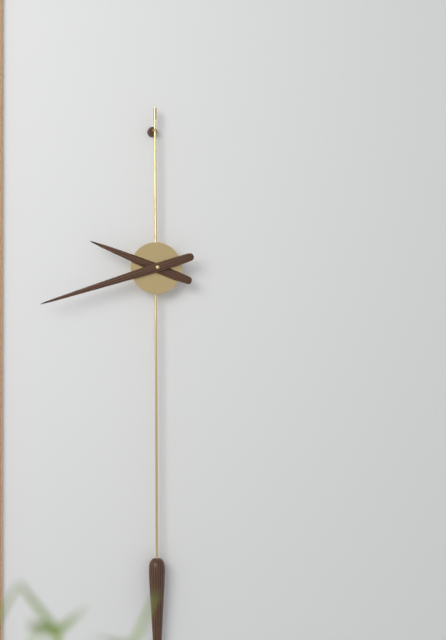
**9:42**
